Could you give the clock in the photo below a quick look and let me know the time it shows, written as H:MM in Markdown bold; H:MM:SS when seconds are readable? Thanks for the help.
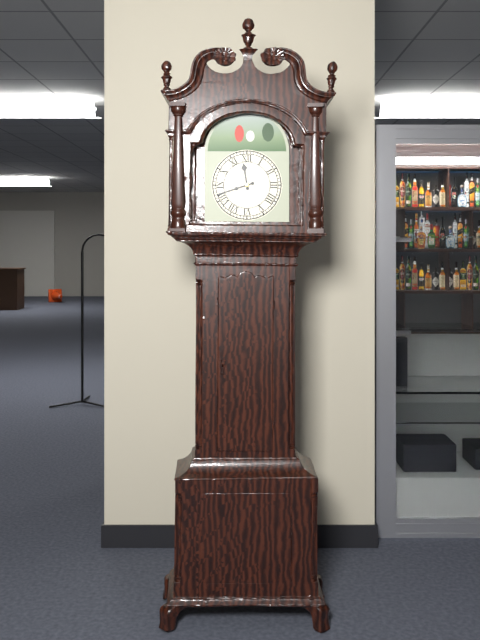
**11:42**
